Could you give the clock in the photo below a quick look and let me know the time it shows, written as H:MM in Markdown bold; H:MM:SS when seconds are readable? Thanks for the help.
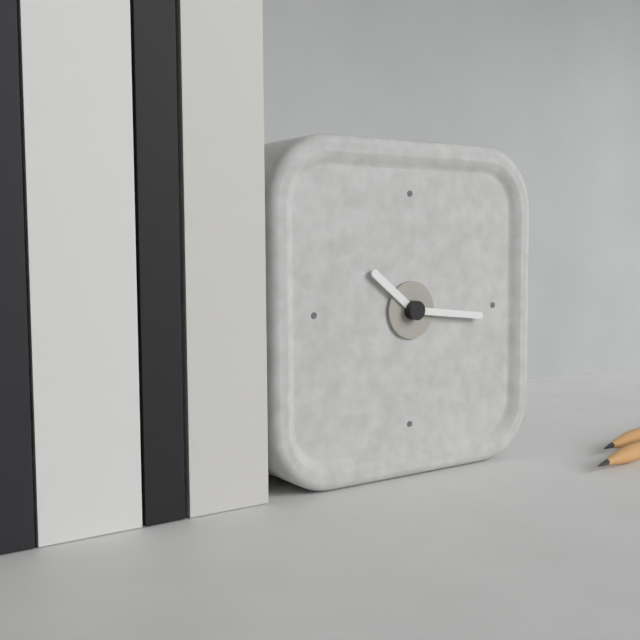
**10:16**
